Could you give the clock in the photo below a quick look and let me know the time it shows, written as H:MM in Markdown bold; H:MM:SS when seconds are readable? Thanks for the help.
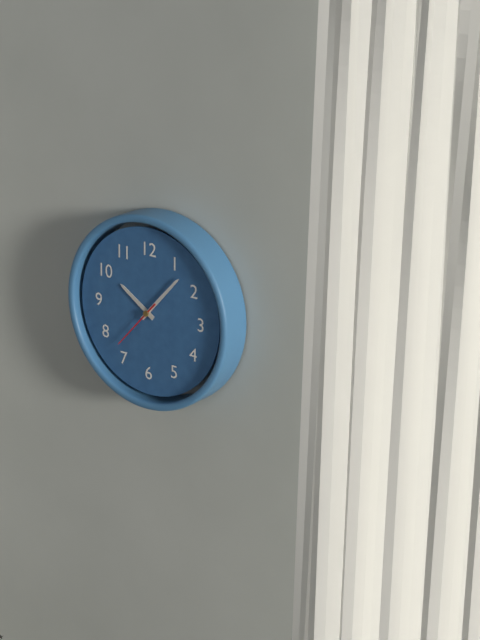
**10:07:37**
